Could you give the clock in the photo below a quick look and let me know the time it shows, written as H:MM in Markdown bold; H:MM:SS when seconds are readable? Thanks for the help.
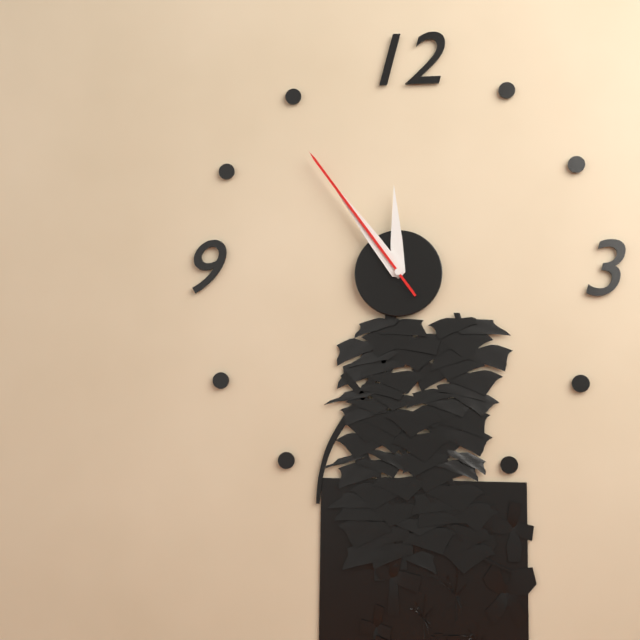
**11:54:54**
